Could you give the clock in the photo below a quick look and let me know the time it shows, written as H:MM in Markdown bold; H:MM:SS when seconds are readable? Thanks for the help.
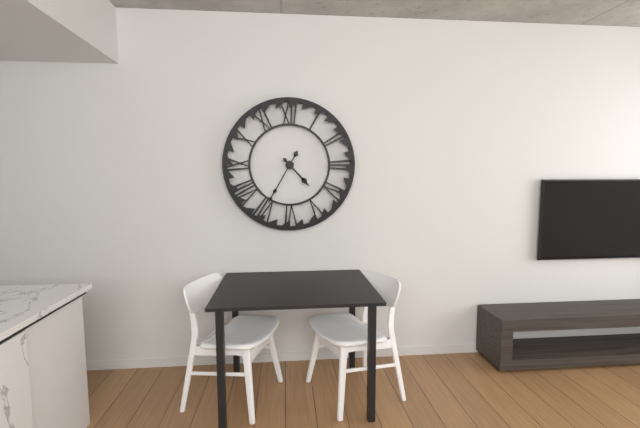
**4:35**
